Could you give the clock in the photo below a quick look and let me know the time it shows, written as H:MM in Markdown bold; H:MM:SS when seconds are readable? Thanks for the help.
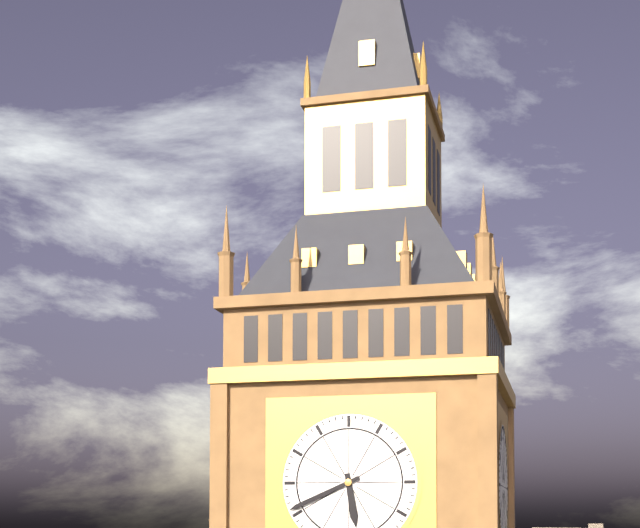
**5:41**
